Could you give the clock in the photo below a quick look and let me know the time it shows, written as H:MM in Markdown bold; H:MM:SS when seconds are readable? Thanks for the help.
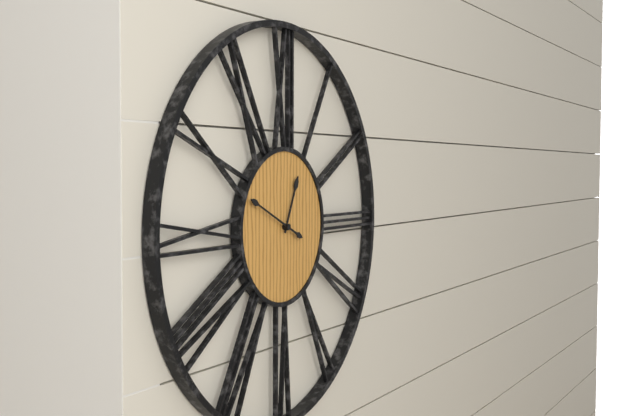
**12:49**
